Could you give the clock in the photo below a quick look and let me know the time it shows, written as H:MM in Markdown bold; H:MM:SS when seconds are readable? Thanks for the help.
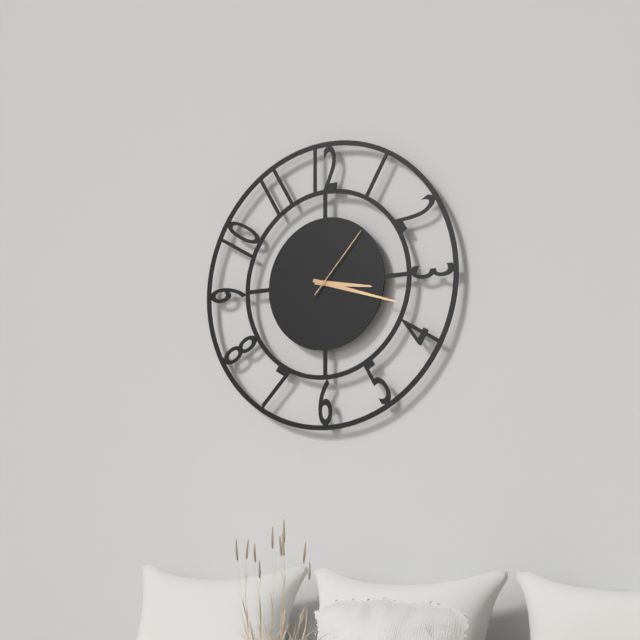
**3:18:07**
